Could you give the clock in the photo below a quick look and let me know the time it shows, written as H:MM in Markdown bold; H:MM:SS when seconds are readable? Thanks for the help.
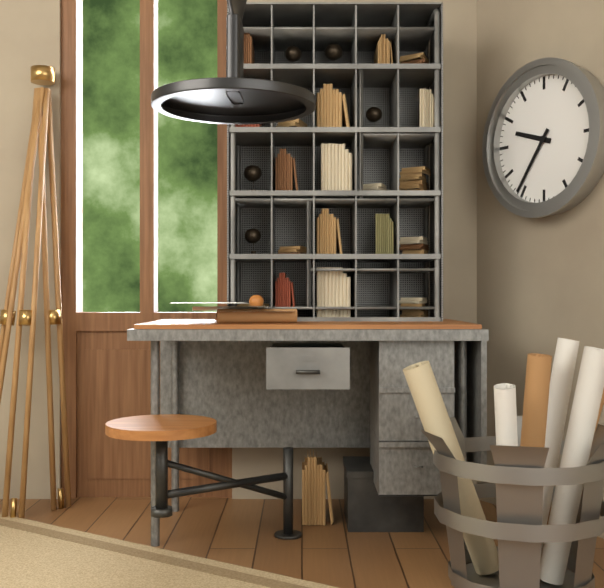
**9:36**
